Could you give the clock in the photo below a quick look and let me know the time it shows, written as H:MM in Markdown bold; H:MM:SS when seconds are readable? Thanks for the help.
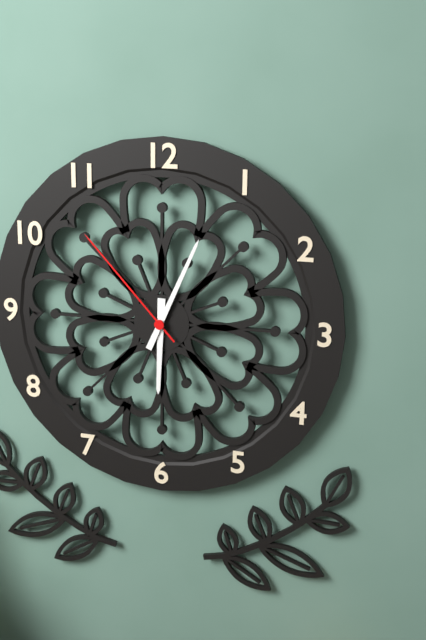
**6:04:53**
